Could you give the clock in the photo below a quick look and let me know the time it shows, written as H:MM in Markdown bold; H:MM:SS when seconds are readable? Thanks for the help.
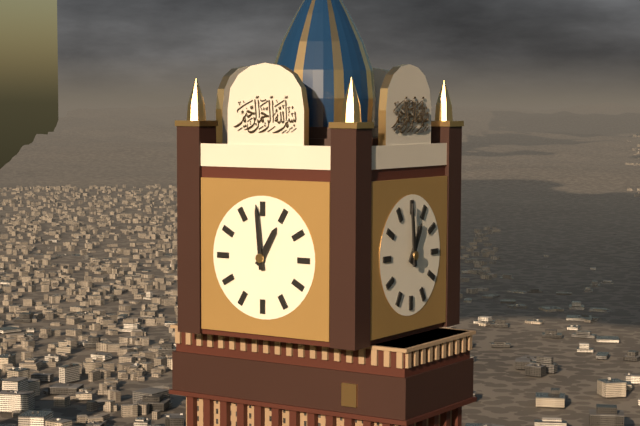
**12:59**
